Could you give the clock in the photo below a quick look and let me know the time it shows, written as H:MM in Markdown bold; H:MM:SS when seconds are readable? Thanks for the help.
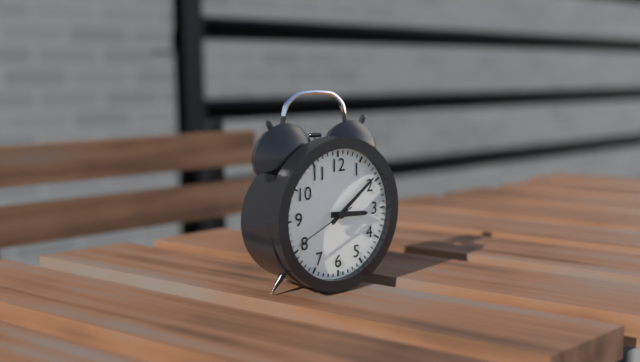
**3:09:41**
